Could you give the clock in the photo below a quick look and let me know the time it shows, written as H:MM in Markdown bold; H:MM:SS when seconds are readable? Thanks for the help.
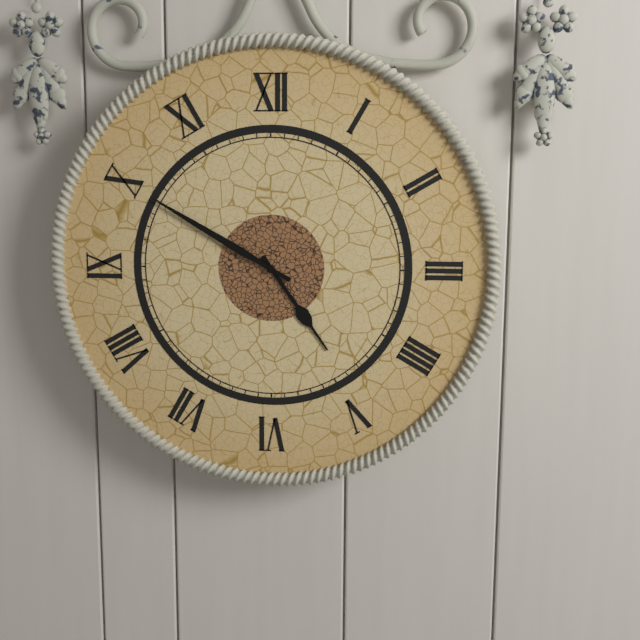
**4:50**
